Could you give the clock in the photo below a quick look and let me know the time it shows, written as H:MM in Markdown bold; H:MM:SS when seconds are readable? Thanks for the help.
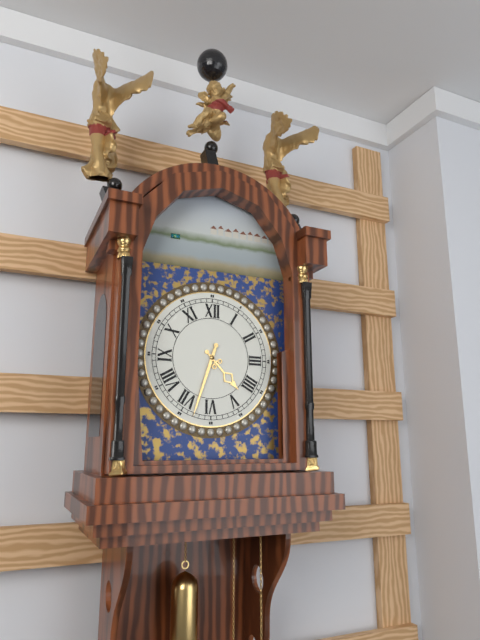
**4:33**
